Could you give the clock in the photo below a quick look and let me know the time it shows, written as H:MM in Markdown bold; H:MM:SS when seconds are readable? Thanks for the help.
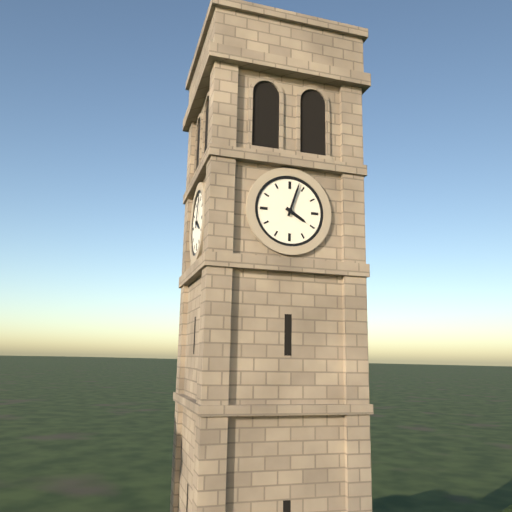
**4:03**
